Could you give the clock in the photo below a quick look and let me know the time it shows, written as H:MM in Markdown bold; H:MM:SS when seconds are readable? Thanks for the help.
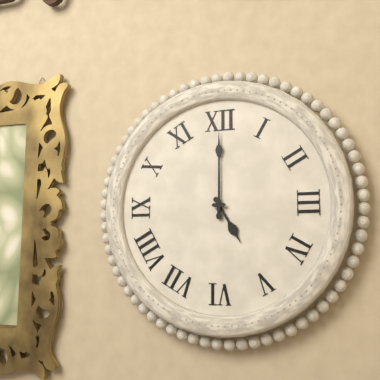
**5:00**
